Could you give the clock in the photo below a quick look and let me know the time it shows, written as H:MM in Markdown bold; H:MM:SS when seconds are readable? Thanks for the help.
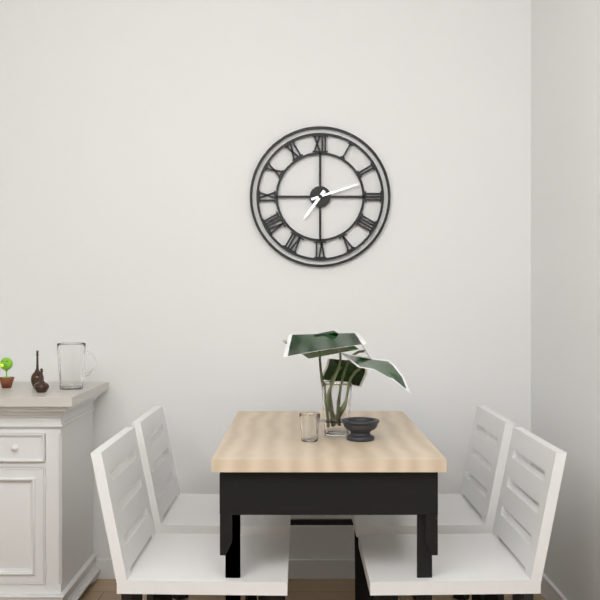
**7:12**
